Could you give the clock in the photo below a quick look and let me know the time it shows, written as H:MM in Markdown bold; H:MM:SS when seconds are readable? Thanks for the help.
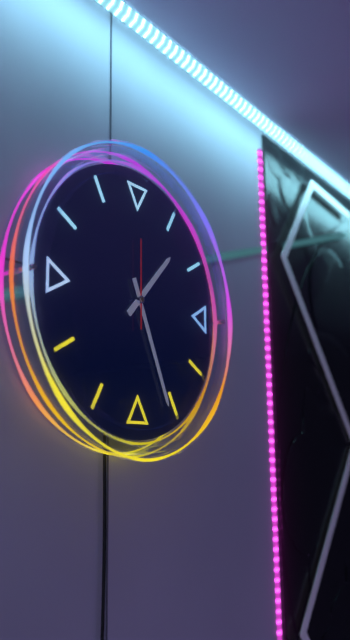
**1:26:00**
